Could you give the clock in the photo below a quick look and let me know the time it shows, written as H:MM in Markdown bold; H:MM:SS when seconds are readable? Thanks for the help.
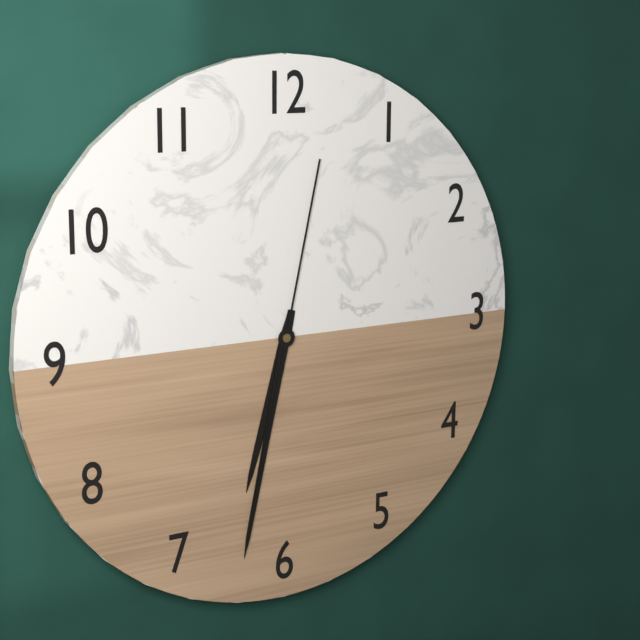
**6:32**
